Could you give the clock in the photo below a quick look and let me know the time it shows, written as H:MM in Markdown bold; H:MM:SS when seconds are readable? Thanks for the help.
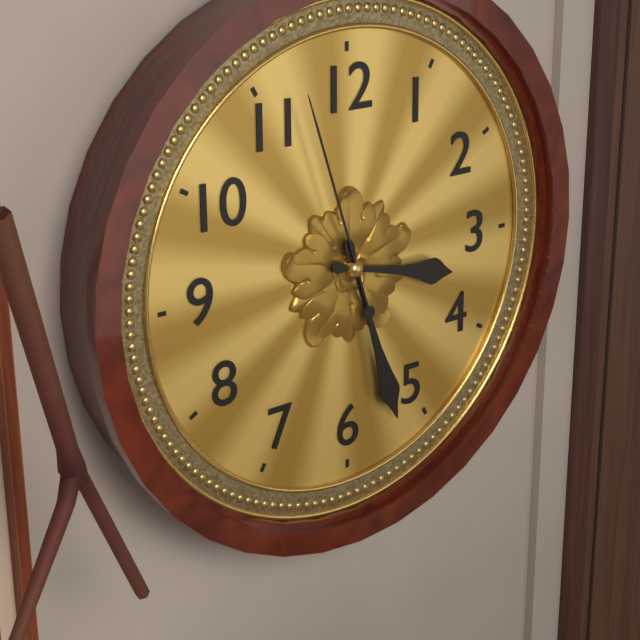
**3:27:57**
